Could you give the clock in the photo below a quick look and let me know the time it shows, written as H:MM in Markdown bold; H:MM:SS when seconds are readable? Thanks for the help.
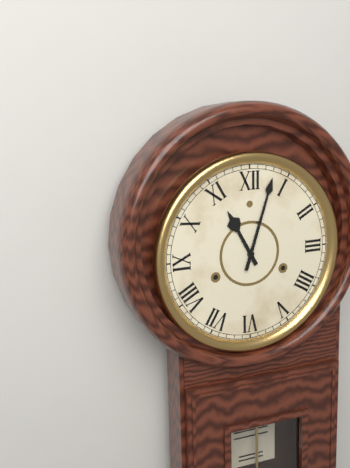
**11:03**
